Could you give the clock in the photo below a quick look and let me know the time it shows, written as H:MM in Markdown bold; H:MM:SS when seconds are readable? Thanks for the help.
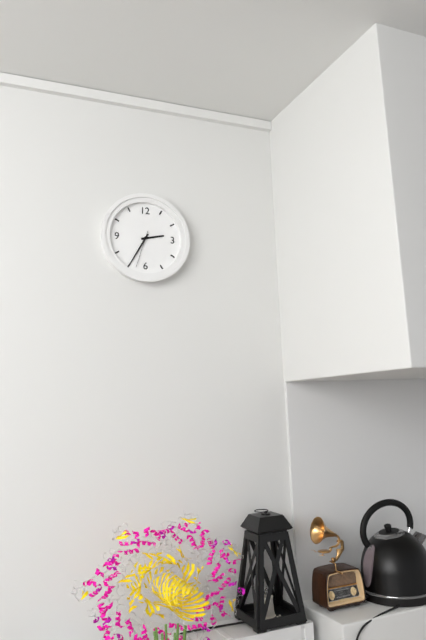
**2:35**
